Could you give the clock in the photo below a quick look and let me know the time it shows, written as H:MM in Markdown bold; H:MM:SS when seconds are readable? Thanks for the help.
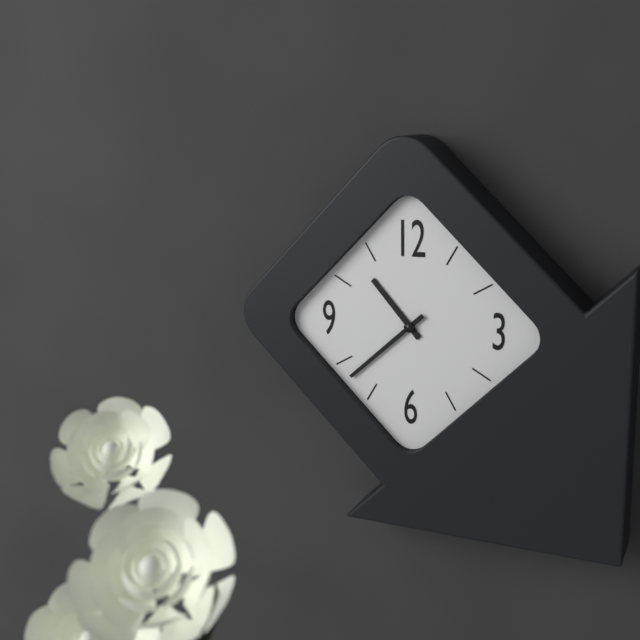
**10:38**
